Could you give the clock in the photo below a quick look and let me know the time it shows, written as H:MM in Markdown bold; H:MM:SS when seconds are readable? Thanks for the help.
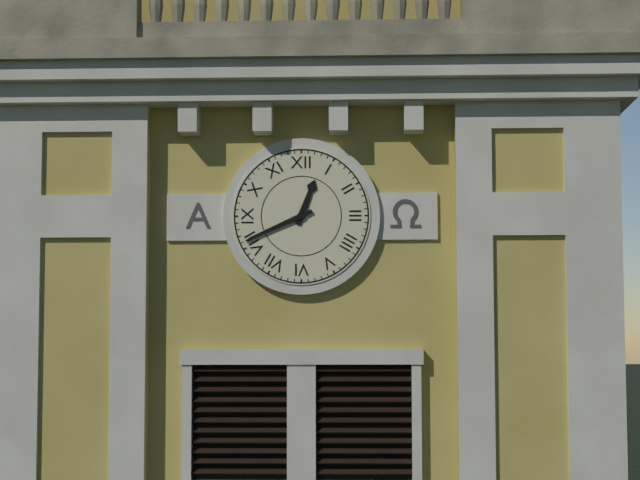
**12:41**
